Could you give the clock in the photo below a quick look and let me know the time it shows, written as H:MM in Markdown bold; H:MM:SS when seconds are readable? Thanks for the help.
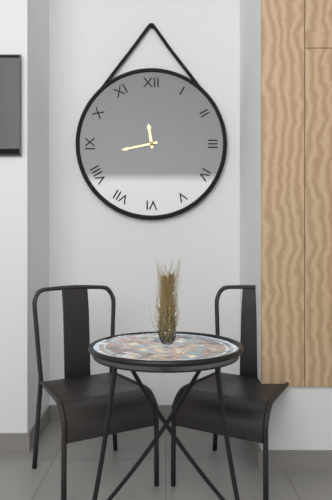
**11:43**
